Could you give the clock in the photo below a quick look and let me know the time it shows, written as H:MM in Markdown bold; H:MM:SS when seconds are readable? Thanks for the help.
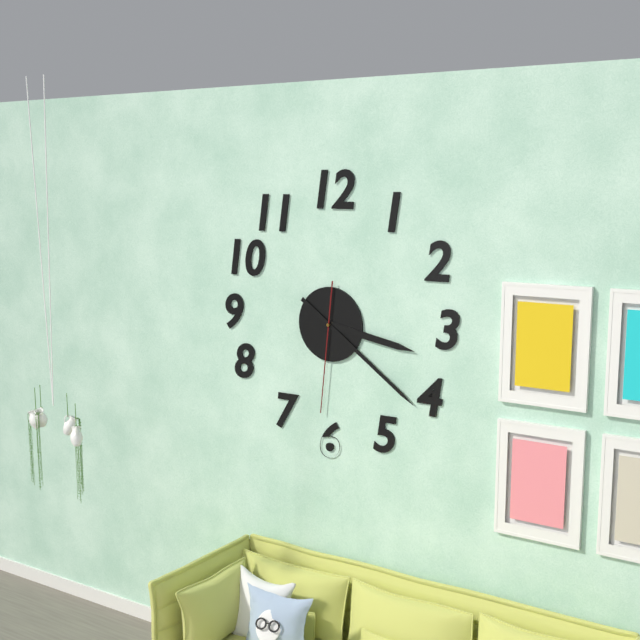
**3:21:31**
